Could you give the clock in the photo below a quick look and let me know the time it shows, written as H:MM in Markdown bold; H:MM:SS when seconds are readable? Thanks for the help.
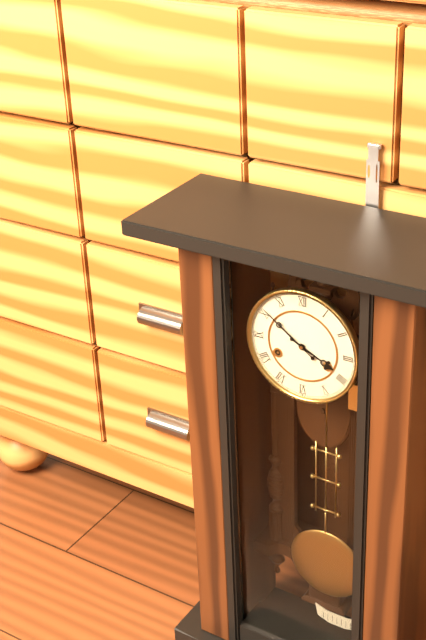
**3:51**
